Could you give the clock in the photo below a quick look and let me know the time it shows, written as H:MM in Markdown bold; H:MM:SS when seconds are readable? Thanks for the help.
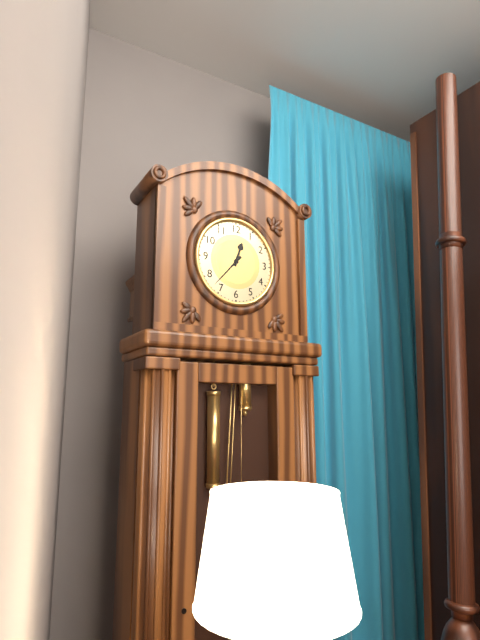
**12:37**
